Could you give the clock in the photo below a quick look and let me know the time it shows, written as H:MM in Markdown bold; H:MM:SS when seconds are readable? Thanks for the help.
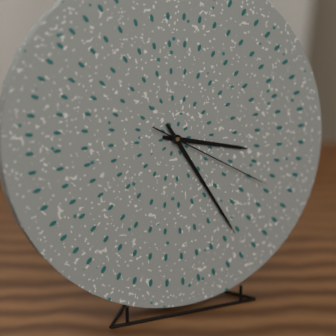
**3:25:20**
